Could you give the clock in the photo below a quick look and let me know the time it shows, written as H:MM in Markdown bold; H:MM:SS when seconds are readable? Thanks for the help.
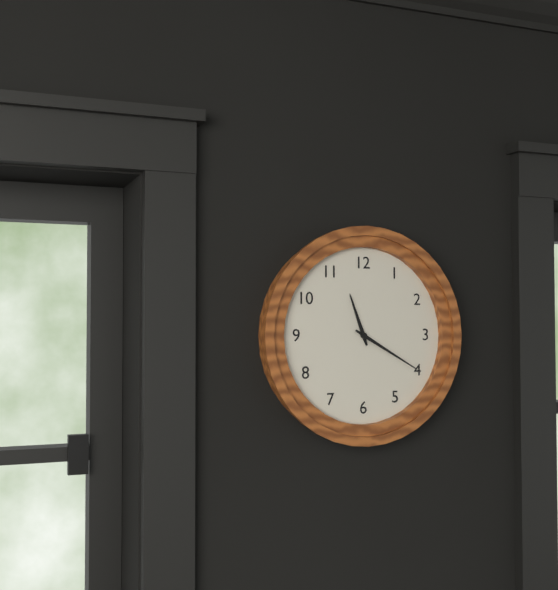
**11:20**
